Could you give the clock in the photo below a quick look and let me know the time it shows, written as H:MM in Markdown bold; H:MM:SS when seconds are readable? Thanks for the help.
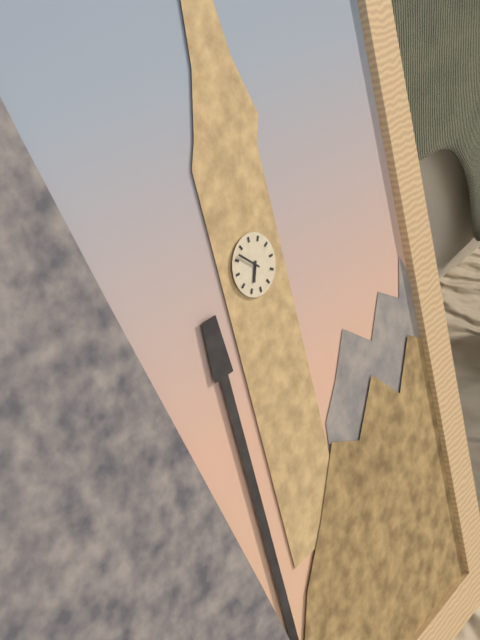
**6:52**
